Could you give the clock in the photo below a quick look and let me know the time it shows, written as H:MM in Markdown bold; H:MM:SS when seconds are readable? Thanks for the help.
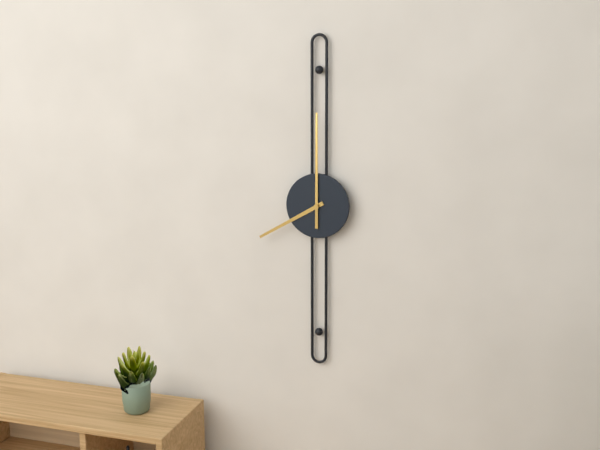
**8:00**
